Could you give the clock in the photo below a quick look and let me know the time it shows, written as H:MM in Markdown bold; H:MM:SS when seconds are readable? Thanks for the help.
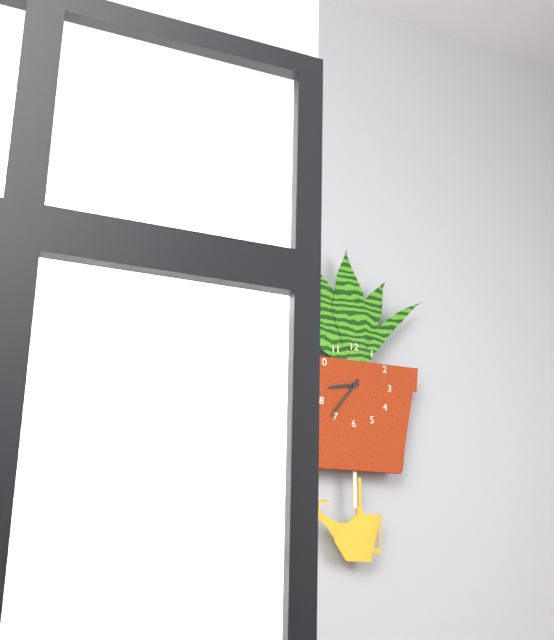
**8:36**
